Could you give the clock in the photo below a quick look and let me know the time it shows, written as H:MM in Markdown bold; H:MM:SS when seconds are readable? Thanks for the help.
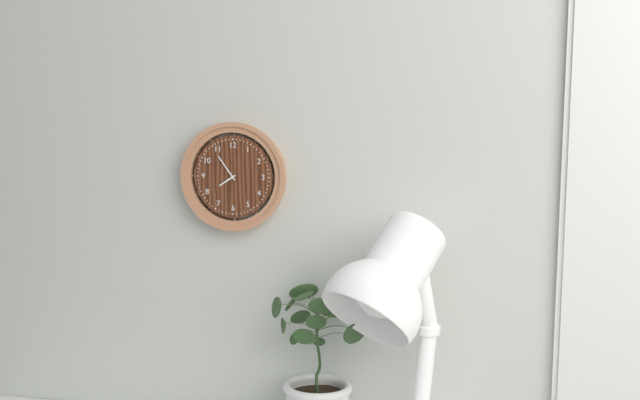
**7:54**
